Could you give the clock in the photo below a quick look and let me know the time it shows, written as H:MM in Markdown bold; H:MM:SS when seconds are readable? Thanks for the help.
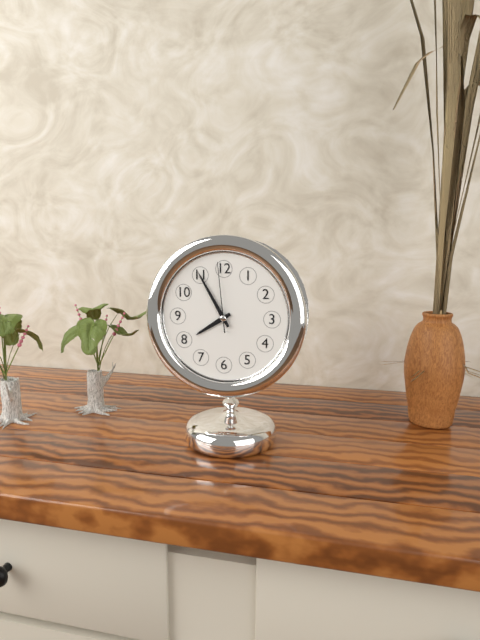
**7:55:59**
